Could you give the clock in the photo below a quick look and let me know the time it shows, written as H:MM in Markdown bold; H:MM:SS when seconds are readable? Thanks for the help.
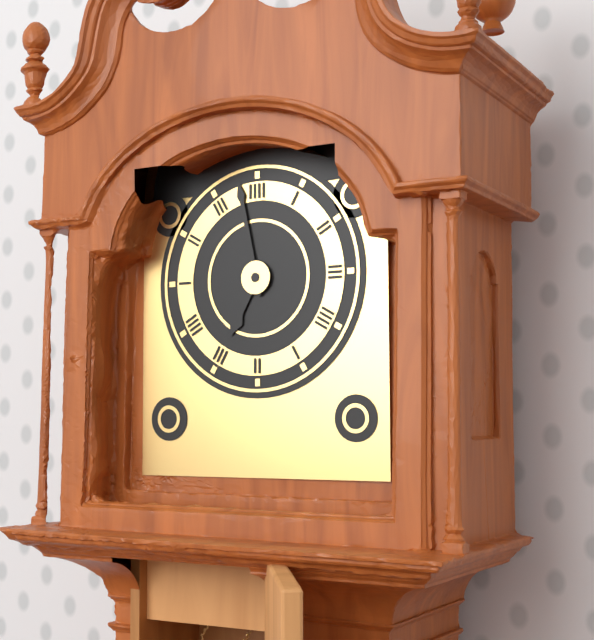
**6:58**
